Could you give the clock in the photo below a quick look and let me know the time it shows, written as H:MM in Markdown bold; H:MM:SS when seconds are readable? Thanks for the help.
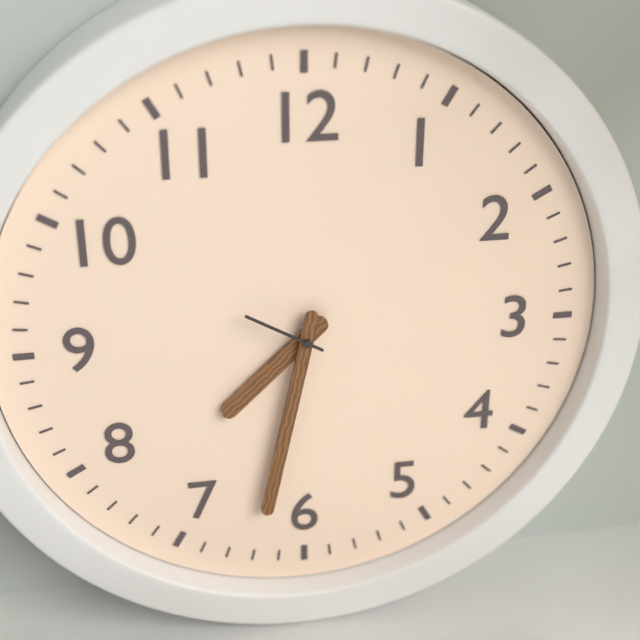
**7:32:50**
